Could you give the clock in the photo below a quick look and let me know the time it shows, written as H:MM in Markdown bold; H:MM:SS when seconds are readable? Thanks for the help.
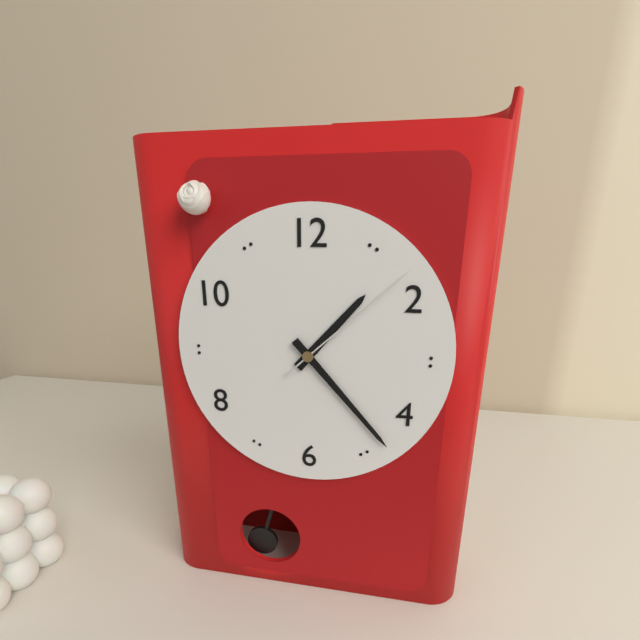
**1:23:08**
